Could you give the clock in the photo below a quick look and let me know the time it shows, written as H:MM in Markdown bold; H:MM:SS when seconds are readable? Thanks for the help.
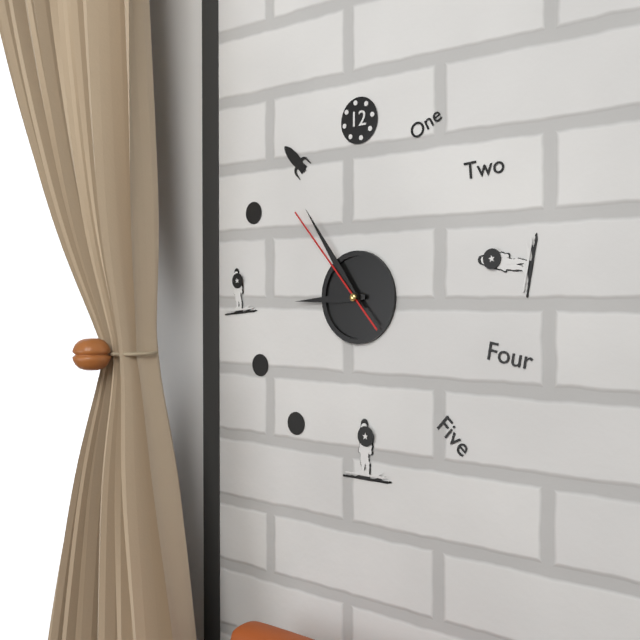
**8:54:53**
